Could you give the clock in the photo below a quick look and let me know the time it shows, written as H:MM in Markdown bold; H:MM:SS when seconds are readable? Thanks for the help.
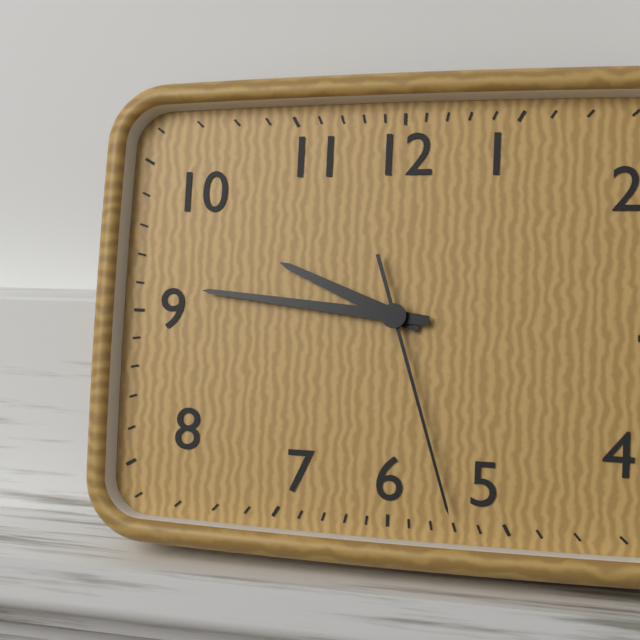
**9:46:27**
